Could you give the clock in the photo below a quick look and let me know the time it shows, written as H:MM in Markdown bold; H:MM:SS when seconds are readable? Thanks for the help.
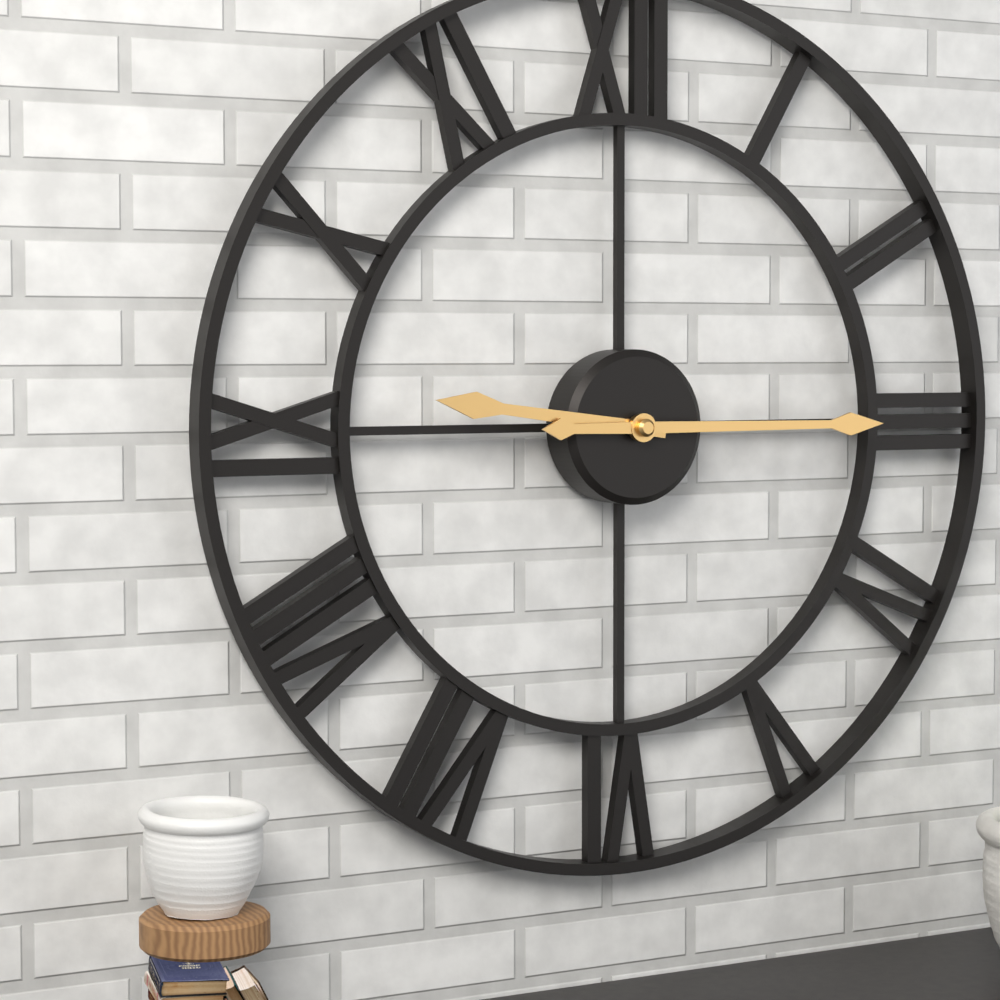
**9:15**
